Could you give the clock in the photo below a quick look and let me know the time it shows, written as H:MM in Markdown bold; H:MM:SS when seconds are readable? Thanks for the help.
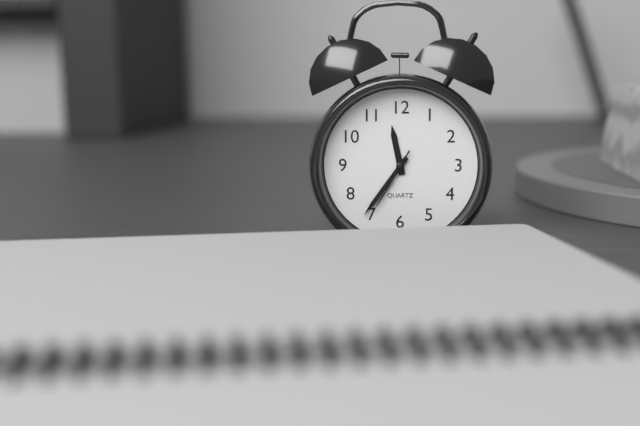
**11:36:35**
